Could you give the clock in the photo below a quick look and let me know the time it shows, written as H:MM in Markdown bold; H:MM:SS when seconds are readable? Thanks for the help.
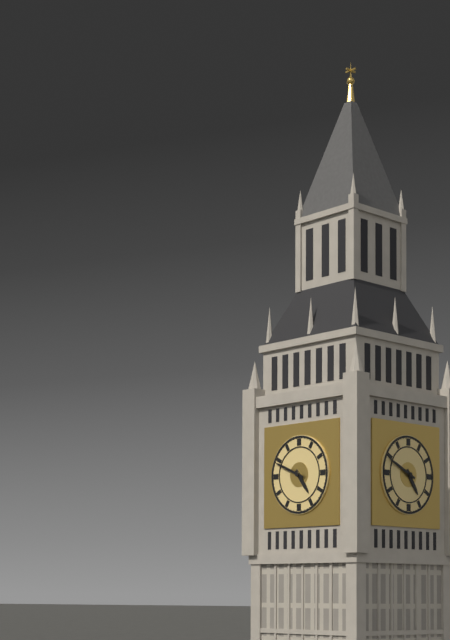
**4:49**
